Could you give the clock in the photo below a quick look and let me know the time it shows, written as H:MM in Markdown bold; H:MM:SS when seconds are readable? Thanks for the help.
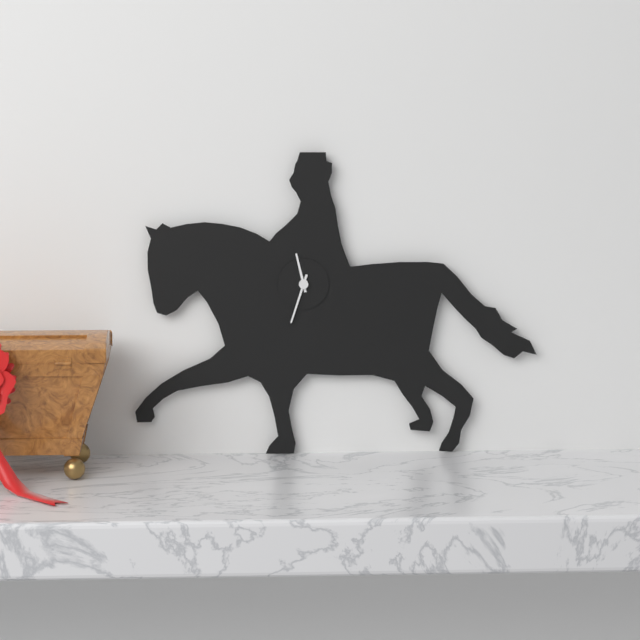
**11:33**
